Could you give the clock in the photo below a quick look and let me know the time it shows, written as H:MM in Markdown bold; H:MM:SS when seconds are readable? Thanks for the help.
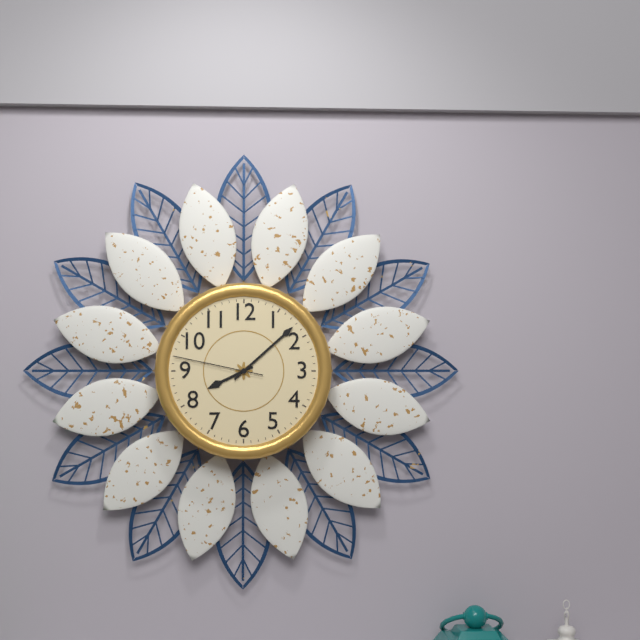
**8:08:47**
